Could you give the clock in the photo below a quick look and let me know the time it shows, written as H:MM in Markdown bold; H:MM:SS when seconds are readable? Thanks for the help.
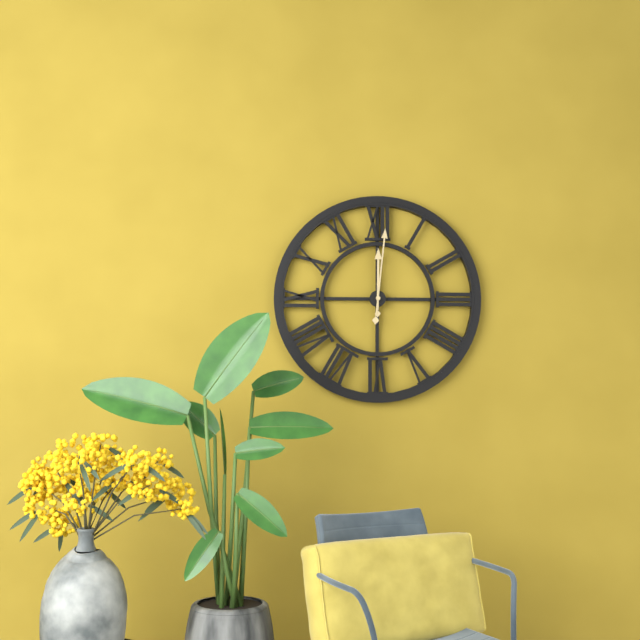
**12:01**
